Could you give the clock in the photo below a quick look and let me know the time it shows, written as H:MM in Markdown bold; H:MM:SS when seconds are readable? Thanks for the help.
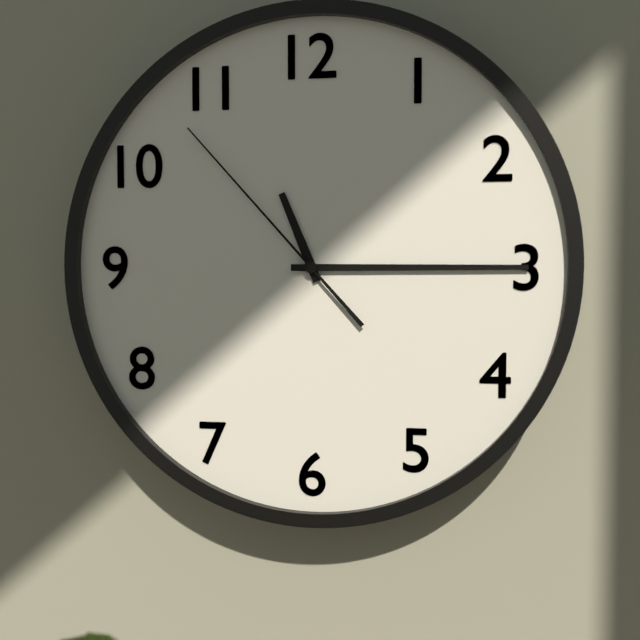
**11:15:53**
